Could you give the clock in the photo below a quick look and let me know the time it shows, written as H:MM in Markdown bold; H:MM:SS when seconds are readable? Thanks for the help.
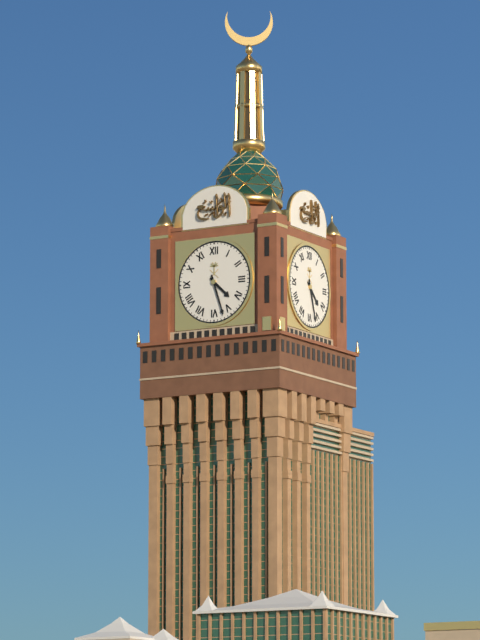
**4:27**
